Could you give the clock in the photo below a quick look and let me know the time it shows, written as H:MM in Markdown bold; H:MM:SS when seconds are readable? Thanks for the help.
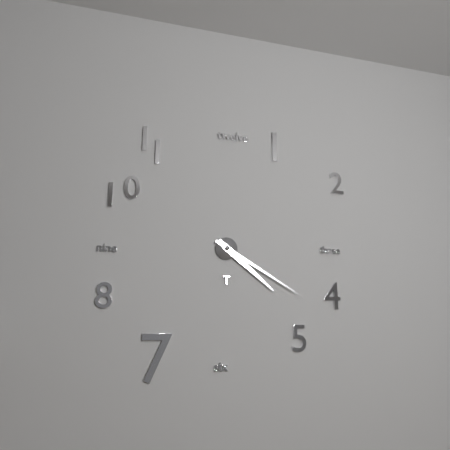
**4:20**
